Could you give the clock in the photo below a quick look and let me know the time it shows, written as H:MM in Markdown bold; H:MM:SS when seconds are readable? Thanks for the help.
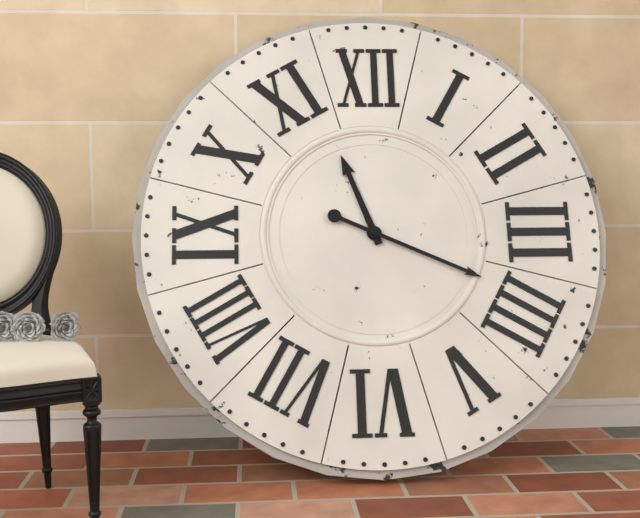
**11:19**
